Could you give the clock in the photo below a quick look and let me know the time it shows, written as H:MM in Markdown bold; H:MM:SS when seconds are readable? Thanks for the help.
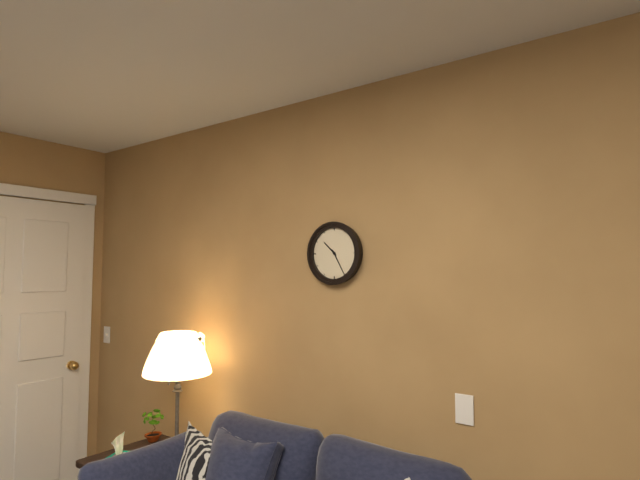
**10:25**
